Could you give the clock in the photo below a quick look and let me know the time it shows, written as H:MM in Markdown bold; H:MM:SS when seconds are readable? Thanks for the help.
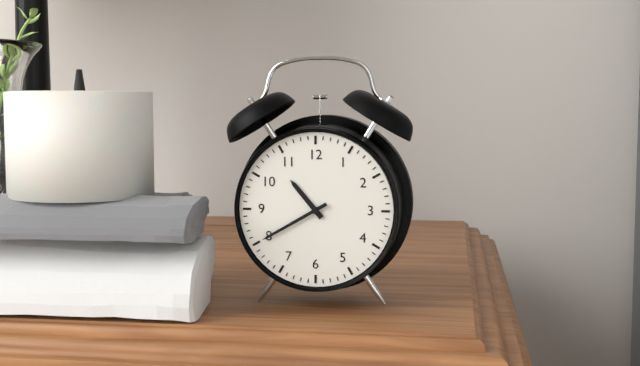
**10:40**
